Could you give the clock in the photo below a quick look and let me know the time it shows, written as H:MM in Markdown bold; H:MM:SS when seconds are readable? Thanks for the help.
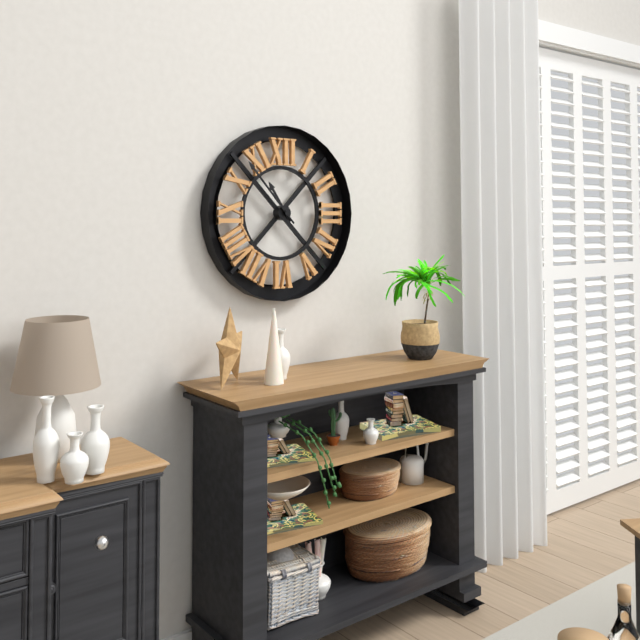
**10:53**
